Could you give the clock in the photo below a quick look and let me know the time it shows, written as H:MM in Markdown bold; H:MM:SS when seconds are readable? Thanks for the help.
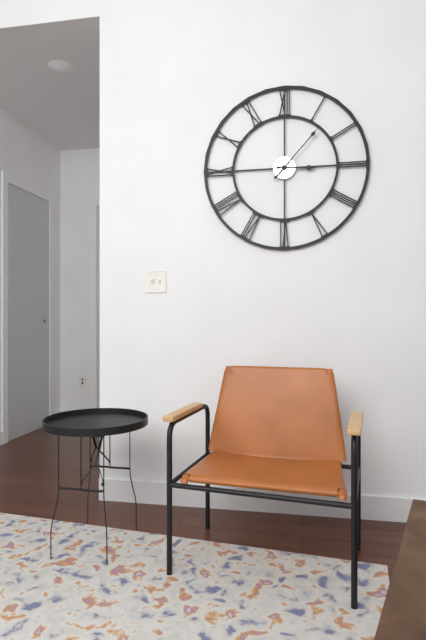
**3:07**
